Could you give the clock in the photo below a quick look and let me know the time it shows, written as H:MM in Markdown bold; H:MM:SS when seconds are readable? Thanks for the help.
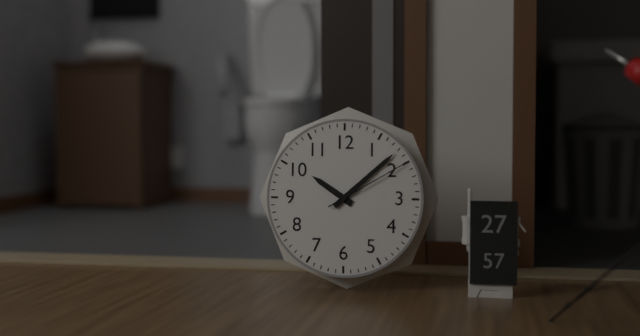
**10:08:10**
